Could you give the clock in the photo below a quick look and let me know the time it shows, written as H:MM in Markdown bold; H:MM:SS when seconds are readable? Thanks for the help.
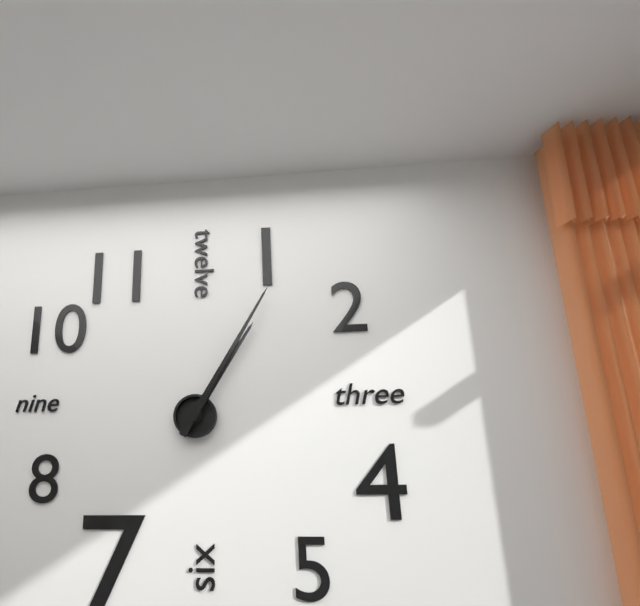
**1:05**
